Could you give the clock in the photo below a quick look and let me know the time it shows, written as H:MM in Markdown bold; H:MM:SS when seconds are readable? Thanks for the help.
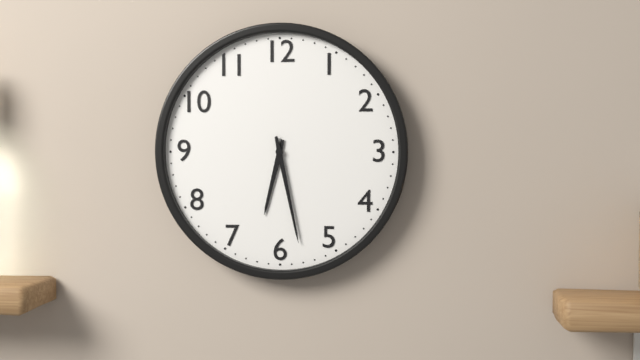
**6:28**
